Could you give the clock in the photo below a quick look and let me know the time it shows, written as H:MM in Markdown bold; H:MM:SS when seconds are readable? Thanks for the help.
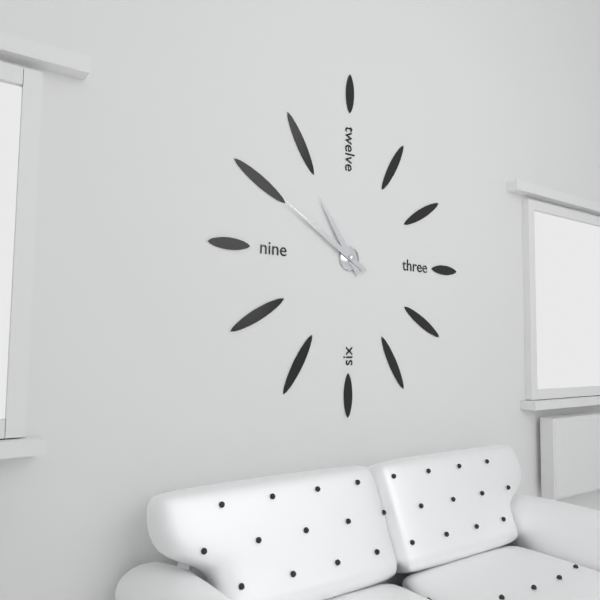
**10:50**
